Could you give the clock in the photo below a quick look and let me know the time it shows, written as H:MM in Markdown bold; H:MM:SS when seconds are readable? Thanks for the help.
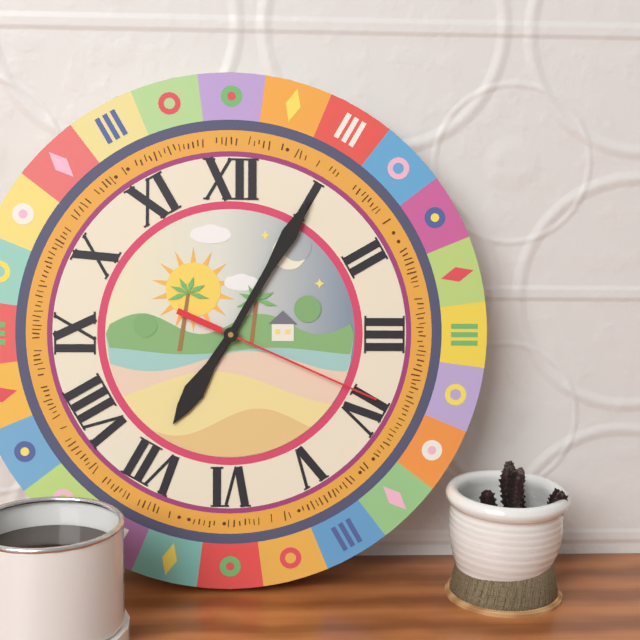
**7:05:19**
